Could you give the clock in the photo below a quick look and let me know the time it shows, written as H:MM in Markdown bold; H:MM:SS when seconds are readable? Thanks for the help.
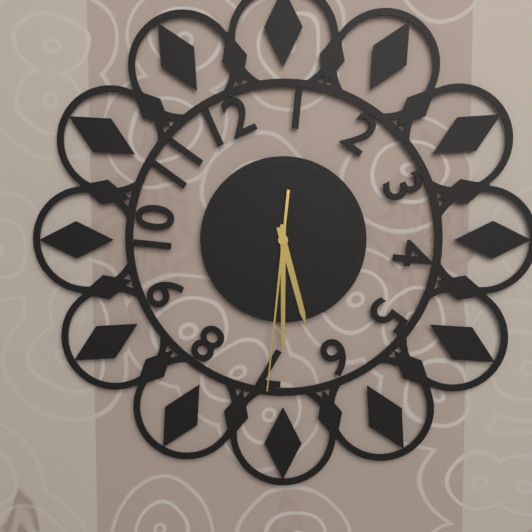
**5:30:31**
